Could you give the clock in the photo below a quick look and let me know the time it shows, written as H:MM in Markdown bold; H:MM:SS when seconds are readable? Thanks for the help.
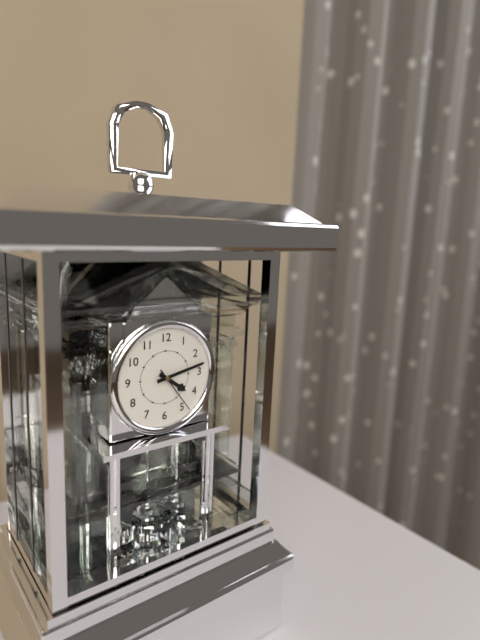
**4:13:24**
